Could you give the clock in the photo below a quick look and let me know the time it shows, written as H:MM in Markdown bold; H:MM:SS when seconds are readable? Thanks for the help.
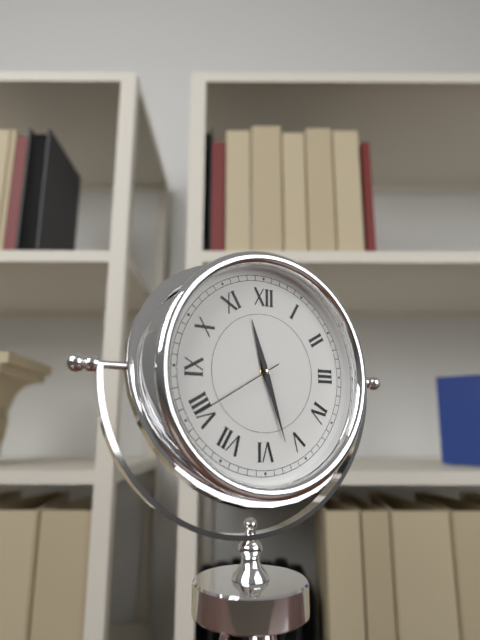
**11:27:40**
